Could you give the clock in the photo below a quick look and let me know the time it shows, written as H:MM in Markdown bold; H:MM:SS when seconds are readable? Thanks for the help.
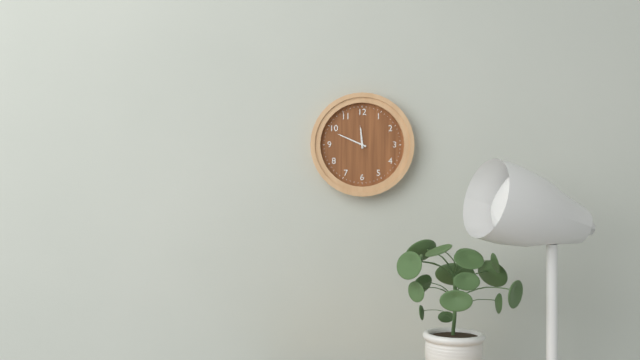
**11:49**
